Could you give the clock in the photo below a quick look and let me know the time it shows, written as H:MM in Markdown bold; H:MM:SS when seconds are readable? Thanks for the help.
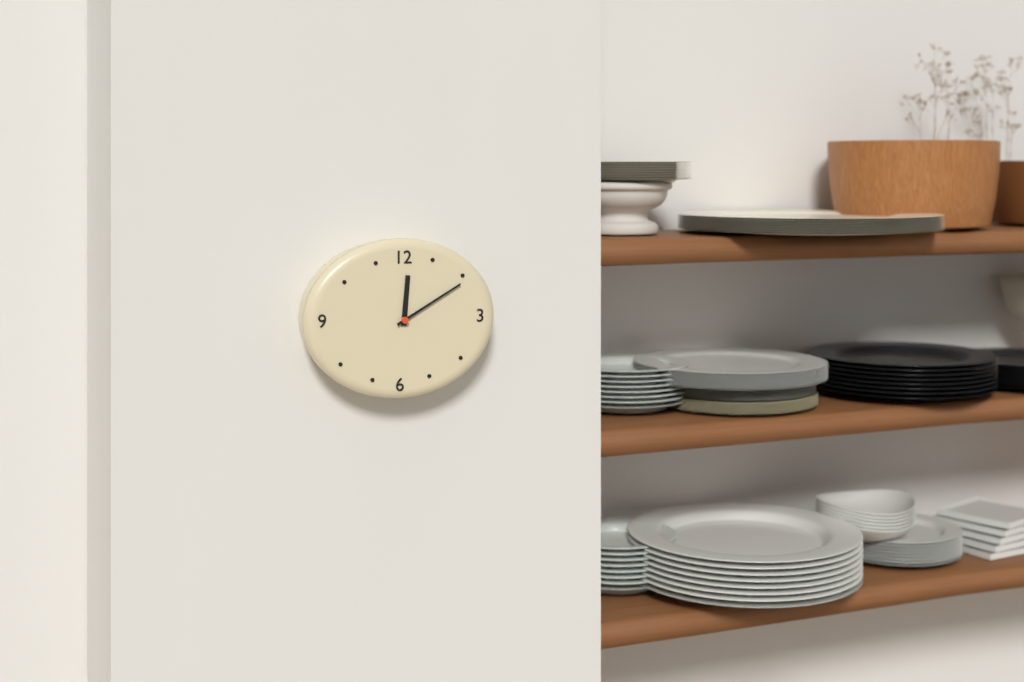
**12:10**
